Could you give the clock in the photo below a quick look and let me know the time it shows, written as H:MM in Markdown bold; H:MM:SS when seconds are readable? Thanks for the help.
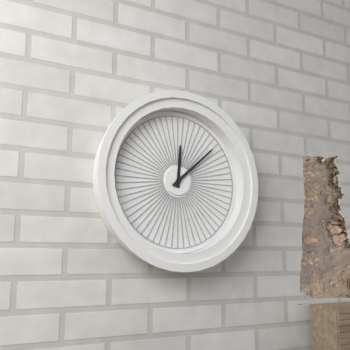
**12:08**
